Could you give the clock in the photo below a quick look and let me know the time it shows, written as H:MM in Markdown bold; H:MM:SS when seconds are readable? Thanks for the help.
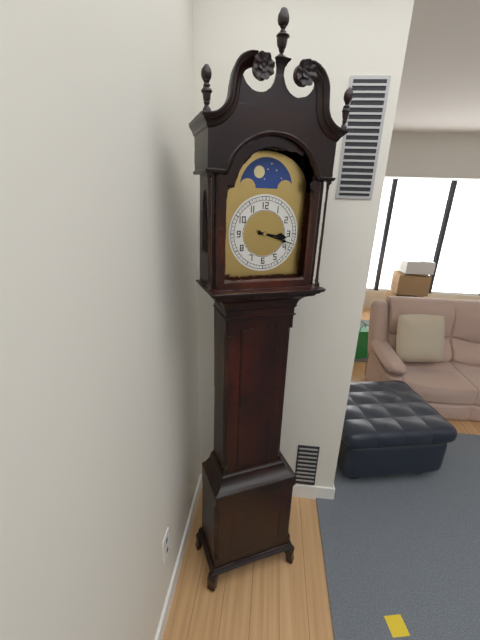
**3:18**
